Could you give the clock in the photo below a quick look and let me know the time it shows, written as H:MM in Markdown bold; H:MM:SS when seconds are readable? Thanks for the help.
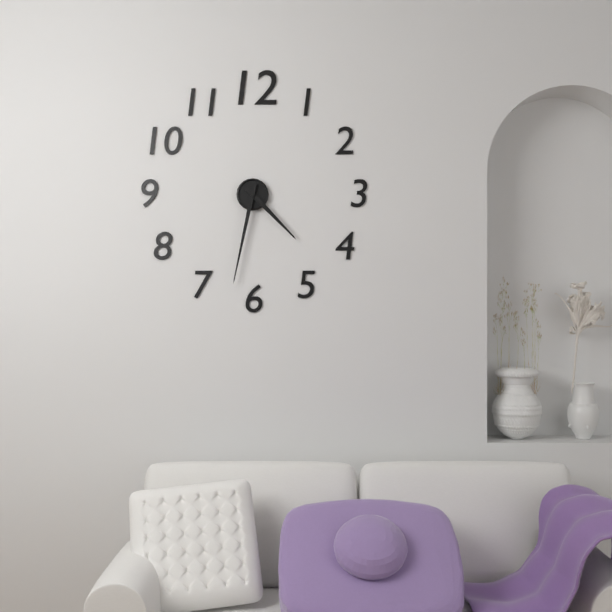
**4:32**
